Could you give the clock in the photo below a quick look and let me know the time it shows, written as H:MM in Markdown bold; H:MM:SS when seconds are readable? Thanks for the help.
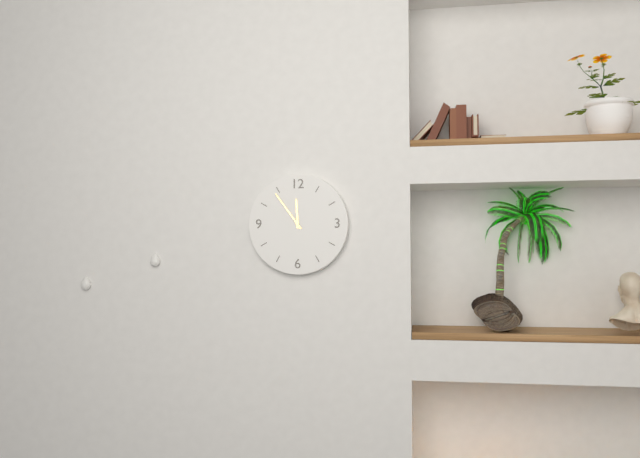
**11:54**
